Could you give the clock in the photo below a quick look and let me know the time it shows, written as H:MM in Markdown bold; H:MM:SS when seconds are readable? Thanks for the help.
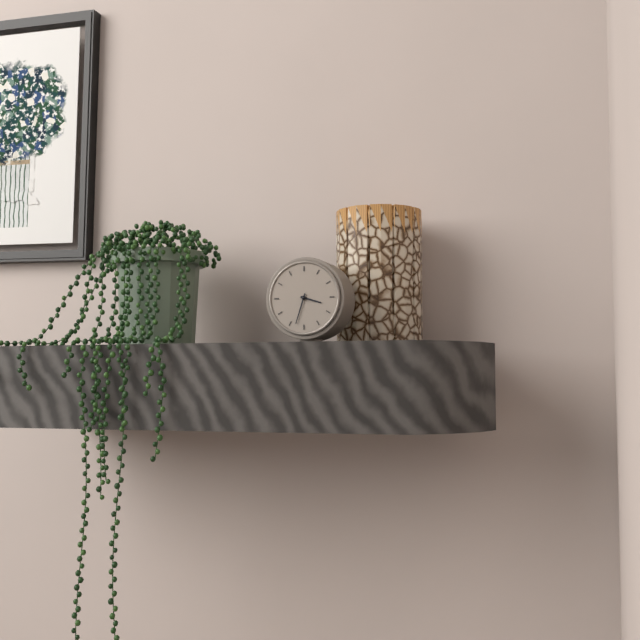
**3:33**
